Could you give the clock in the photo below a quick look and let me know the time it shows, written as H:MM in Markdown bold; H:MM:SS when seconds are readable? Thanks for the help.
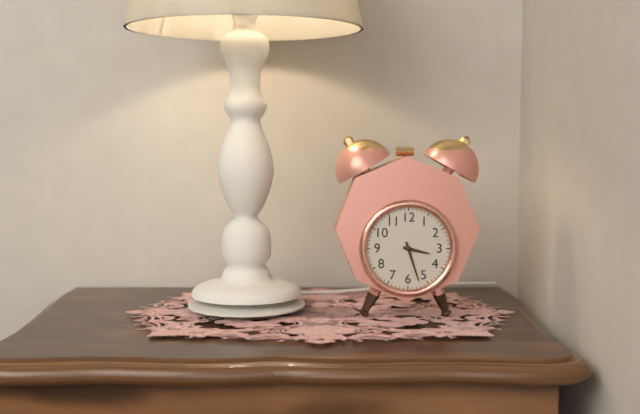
**3:27**
